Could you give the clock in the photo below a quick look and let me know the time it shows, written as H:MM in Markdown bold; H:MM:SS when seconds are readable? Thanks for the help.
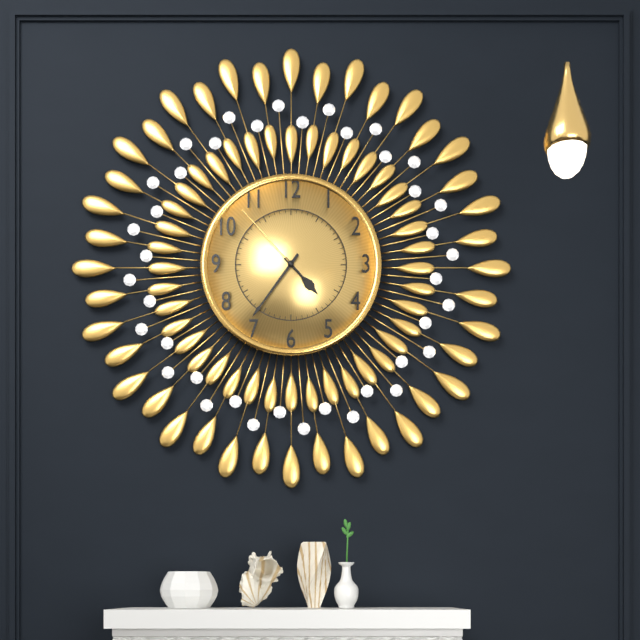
**4:36:53**
